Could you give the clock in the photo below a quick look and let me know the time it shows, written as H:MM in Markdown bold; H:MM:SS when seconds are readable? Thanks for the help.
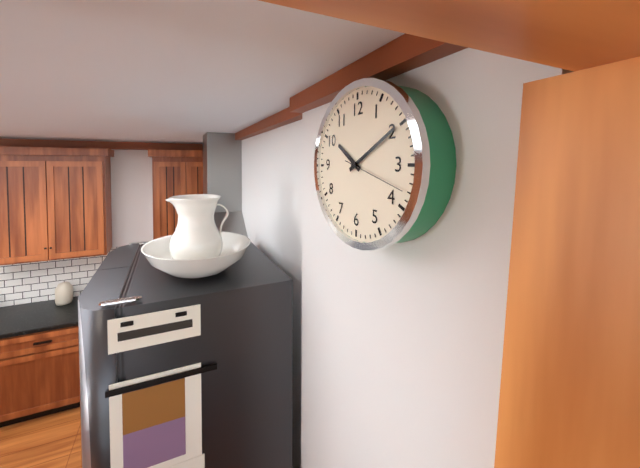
**10:10:18**
